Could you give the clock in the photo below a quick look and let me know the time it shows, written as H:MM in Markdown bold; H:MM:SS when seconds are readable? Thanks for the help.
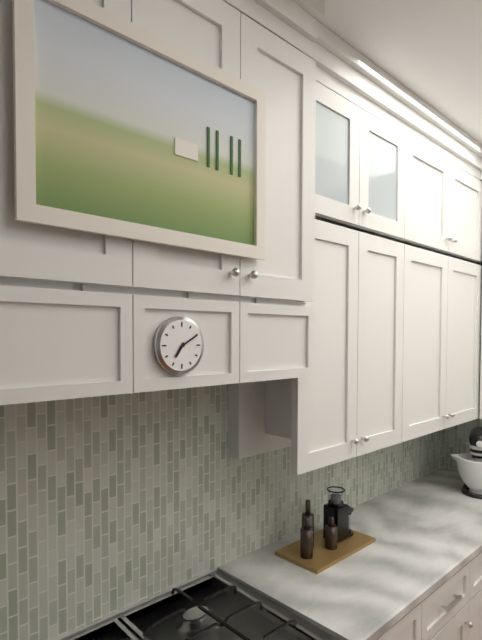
**7:10**
